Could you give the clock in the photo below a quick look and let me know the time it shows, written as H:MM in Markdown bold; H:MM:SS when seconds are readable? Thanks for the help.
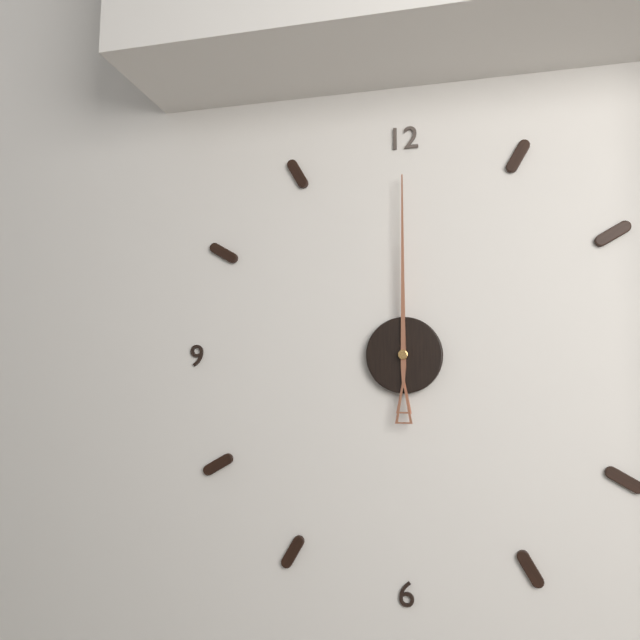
**12:00**
